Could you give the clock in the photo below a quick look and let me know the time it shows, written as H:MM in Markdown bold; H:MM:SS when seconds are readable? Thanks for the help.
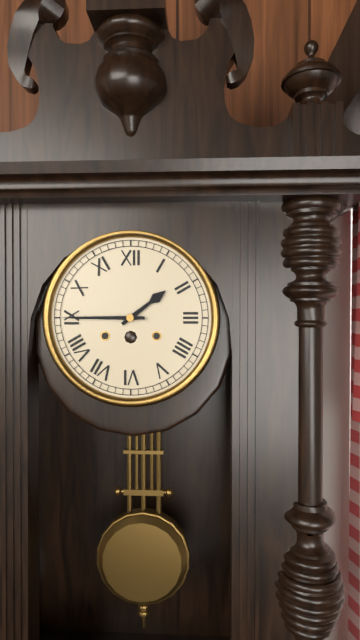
**1:45**
